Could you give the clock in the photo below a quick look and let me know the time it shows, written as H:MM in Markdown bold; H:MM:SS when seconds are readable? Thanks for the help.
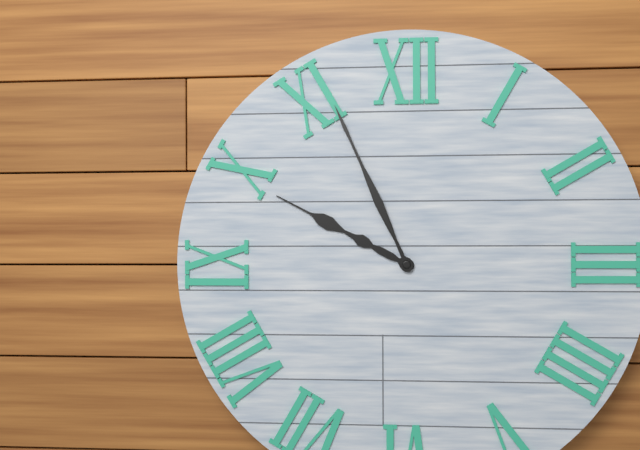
**9:56**
